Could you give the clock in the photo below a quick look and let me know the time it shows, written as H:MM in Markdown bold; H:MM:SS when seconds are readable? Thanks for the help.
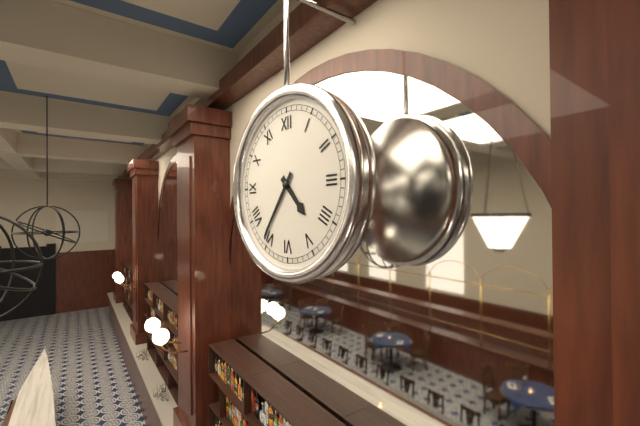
**4:36**
